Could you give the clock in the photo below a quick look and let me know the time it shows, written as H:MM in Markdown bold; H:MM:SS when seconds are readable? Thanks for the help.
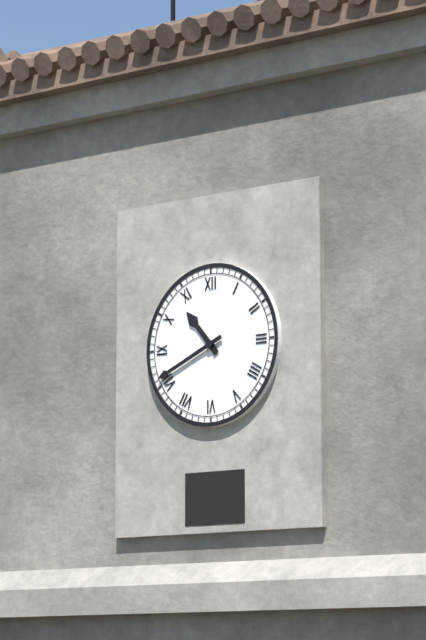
**10:41**
